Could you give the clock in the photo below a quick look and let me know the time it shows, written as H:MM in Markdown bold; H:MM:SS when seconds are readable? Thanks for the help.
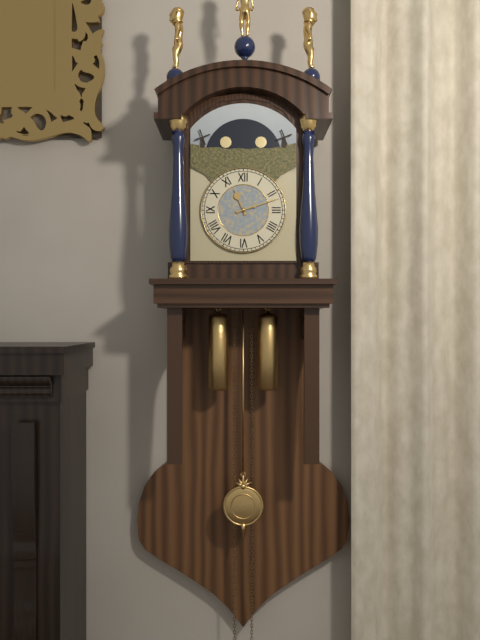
**11:12**
